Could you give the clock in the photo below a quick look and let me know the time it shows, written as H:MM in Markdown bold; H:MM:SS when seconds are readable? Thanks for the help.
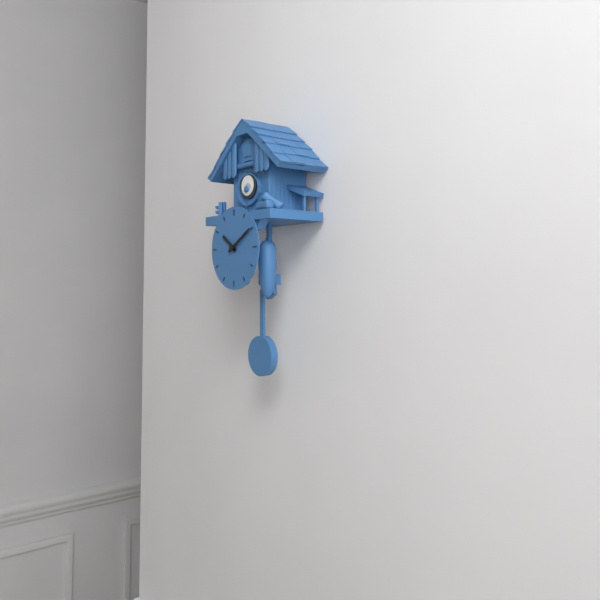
**10:10**
